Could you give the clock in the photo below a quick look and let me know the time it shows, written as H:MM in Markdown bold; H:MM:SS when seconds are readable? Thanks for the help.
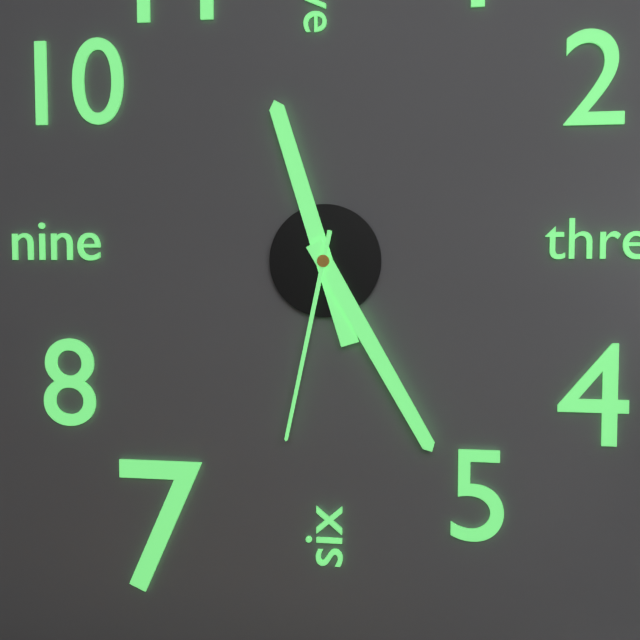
**11:25:32**
